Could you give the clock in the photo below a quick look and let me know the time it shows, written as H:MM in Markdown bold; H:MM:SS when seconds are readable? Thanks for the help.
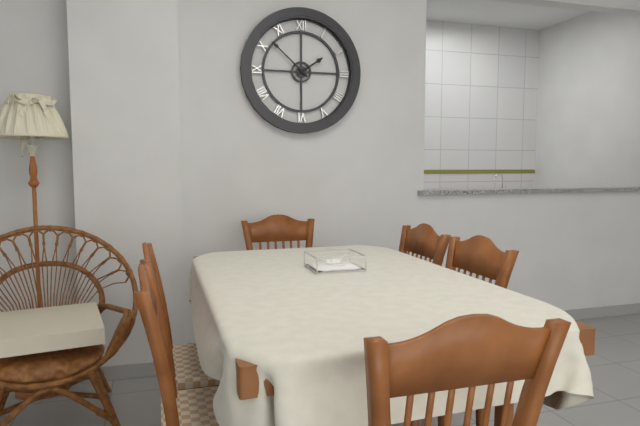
**1:52**
